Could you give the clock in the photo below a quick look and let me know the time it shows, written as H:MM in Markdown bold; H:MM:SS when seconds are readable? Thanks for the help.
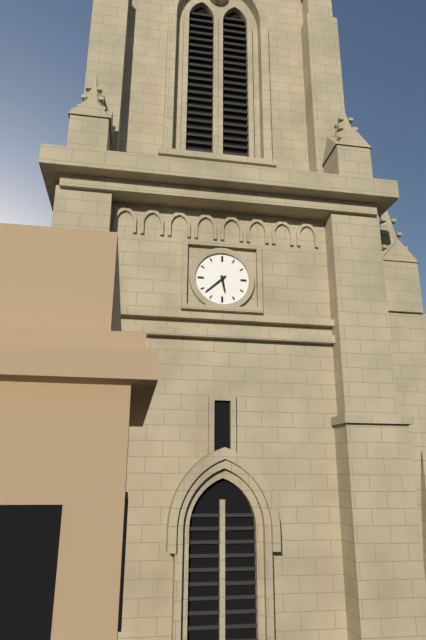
**5:38**
